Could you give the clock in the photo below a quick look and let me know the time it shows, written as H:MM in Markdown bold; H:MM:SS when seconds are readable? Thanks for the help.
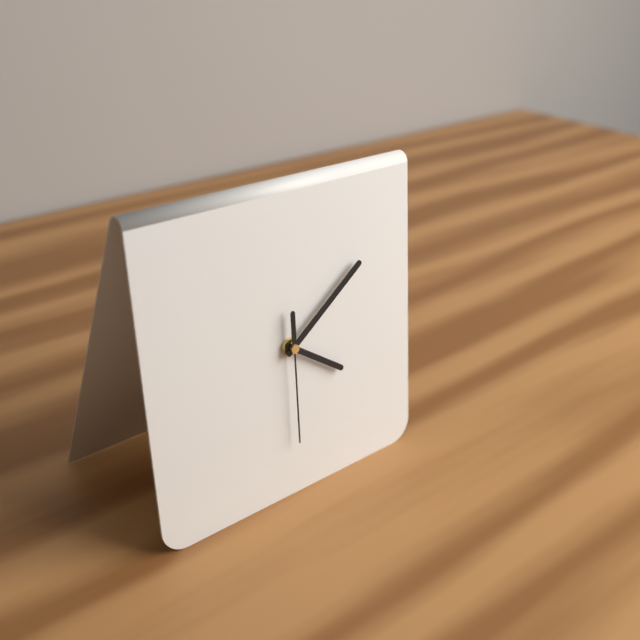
**4:09:30**
